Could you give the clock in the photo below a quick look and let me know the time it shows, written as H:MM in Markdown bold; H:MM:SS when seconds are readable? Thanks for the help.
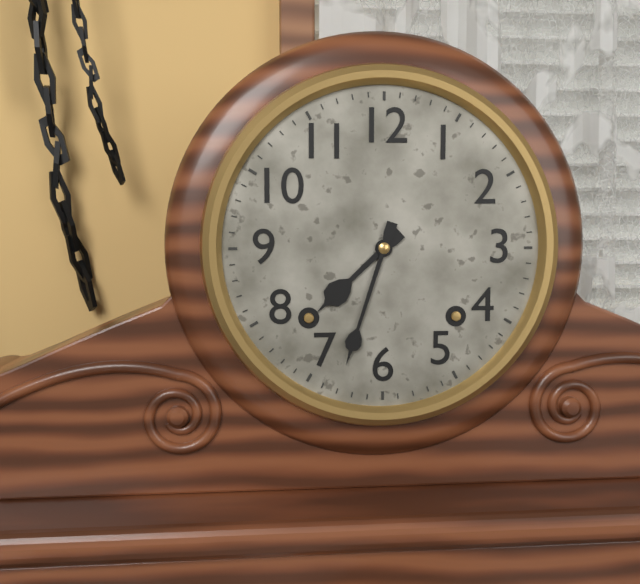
**7:33**
